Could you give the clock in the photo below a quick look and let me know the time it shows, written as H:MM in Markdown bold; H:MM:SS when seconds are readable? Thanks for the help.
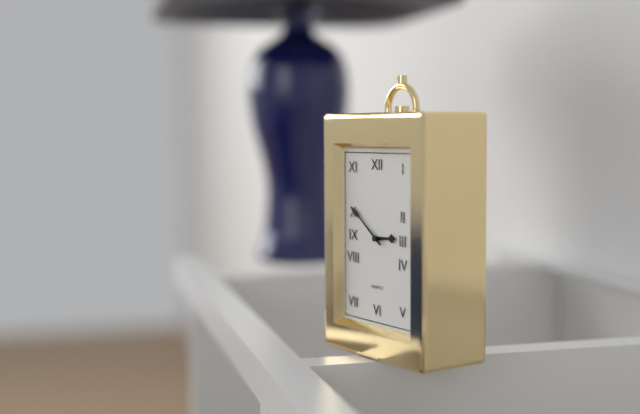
**2:51**
